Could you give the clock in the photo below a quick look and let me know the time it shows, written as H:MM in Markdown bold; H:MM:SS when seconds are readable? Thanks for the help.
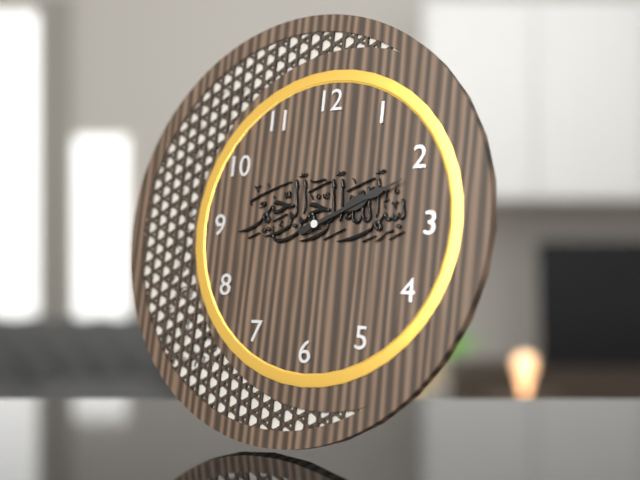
**2:11**
